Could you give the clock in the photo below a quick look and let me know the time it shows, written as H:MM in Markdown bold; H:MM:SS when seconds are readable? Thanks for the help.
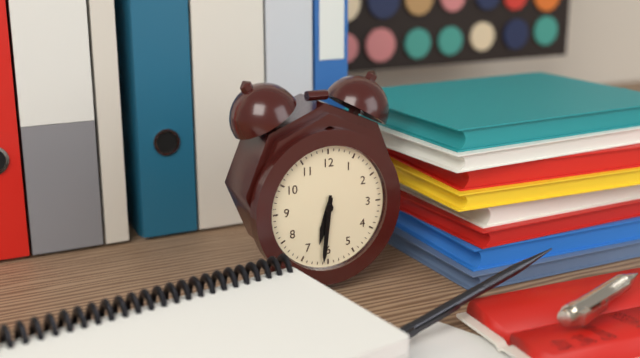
**6:31**
